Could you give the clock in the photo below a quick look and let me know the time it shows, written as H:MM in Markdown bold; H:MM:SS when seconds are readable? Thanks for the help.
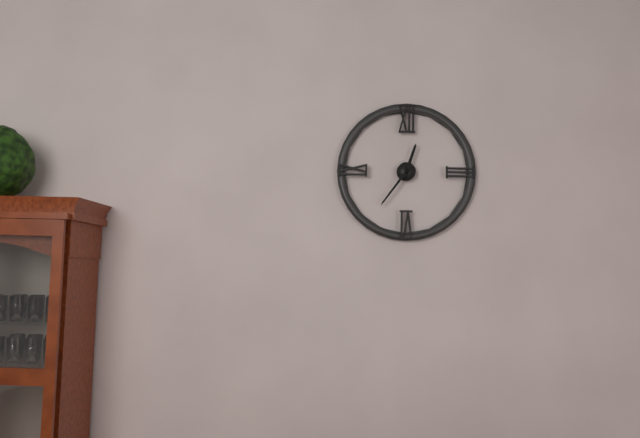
**12:36**
